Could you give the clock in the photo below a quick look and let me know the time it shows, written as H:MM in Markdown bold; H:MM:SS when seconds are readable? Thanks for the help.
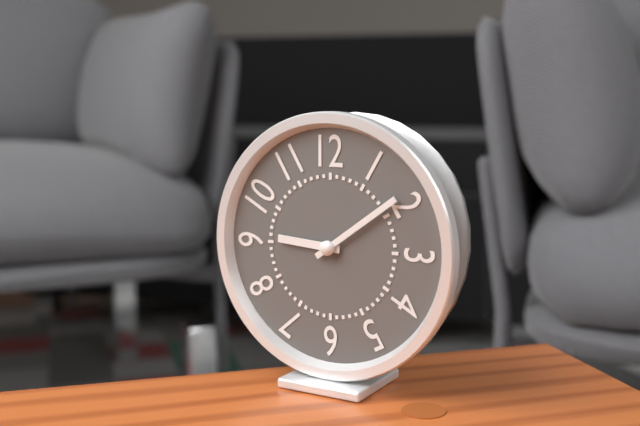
**9:09**
